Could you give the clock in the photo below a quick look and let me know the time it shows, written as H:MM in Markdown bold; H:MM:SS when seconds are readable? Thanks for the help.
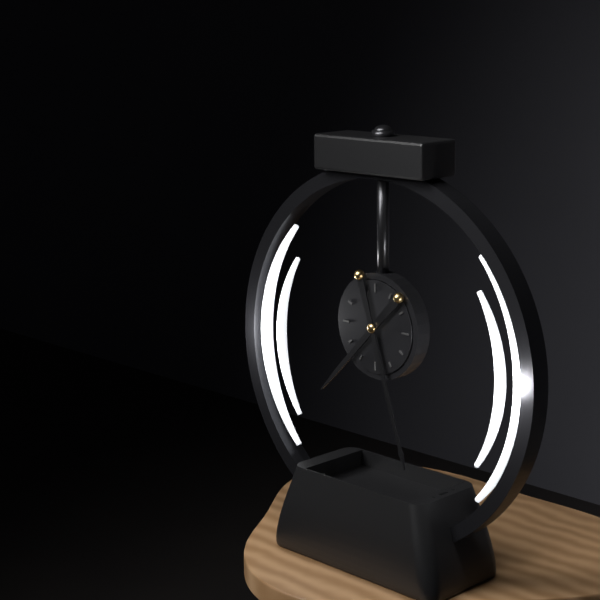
**7:27**
